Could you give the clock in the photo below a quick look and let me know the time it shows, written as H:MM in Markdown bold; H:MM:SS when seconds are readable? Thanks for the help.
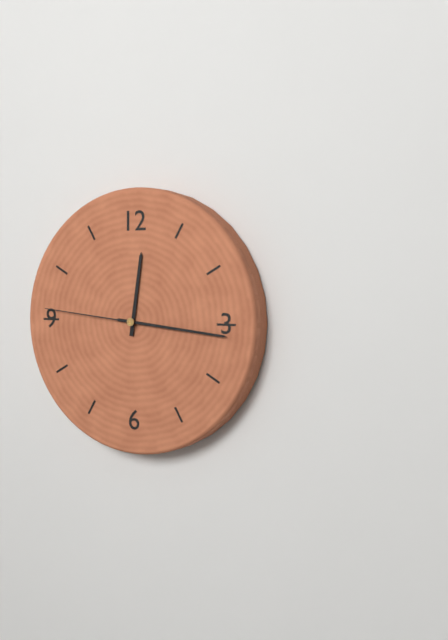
**12:16:46**
